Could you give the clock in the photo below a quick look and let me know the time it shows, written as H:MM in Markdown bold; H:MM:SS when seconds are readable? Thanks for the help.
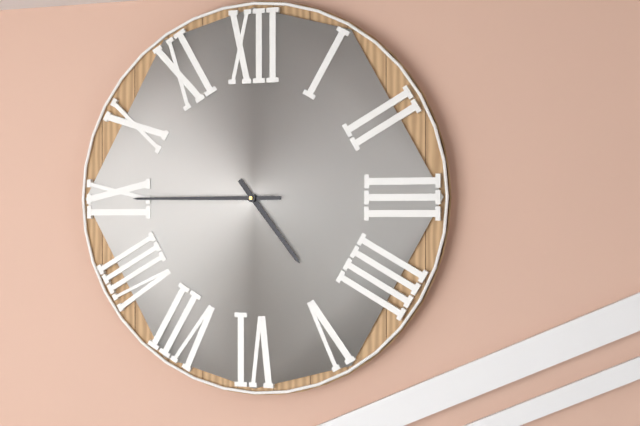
**4:45**
